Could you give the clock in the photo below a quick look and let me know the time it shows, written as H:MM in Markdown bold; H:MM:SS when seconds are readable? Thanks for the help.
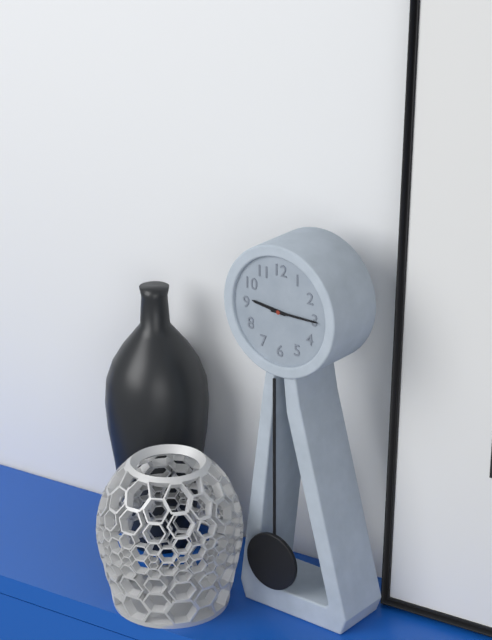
**9:15**
